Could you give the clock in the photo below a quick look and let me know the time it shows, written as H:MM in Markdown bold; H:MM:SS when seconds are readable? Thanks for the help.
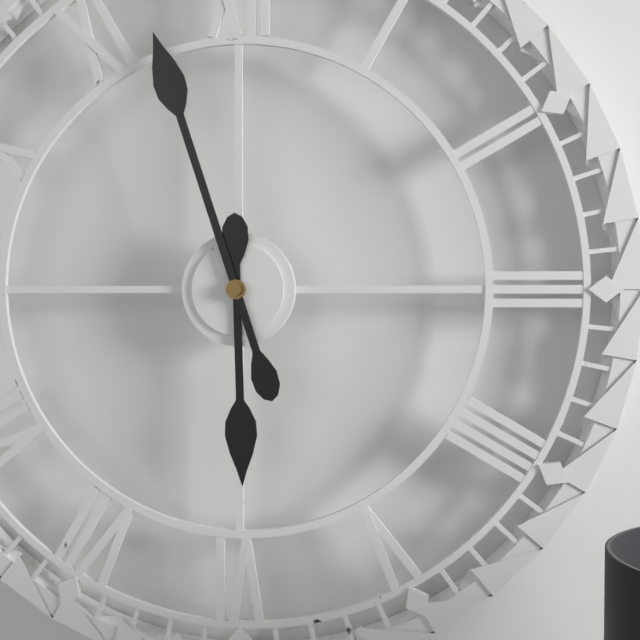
**5:57**
